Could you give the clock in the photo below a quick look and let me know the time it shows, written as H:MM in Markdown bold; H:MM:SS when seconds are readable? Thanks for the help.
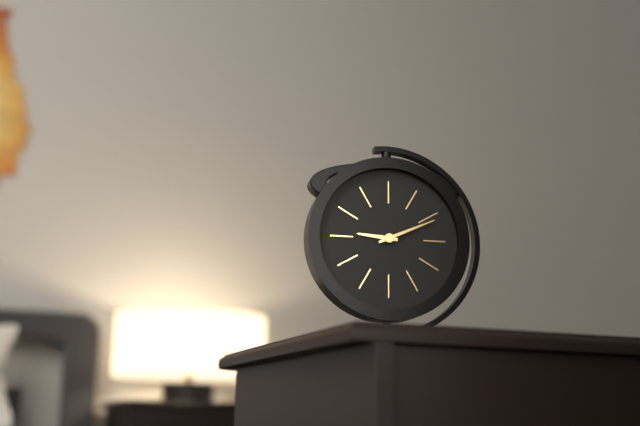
**9:11**
